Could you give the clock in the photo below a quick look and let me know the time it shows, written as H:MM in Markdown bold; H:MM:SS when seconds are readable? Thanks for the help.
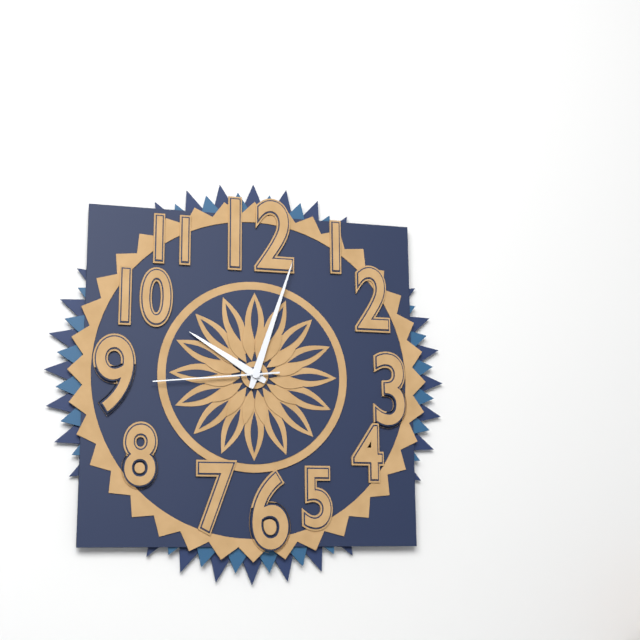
**10:03:44**
